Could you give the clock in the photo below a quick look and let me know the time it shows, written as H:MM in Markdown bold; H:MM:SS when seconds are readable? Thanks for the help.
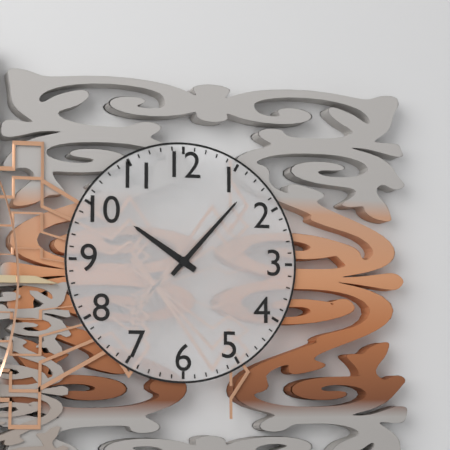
**10:07**
